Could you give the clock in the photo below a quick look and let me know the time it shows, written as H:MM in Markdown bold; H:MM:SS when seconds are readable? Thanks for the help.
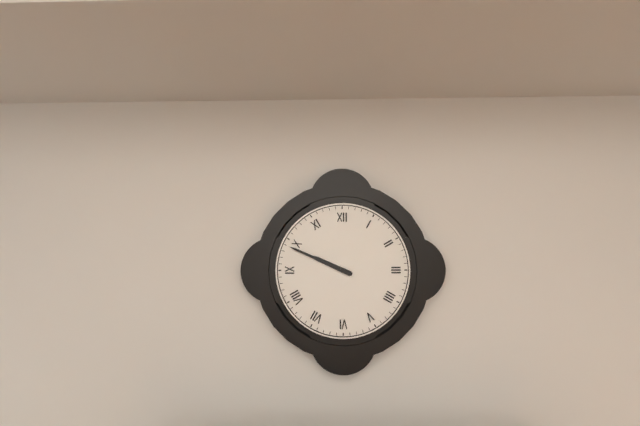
**9:49**
